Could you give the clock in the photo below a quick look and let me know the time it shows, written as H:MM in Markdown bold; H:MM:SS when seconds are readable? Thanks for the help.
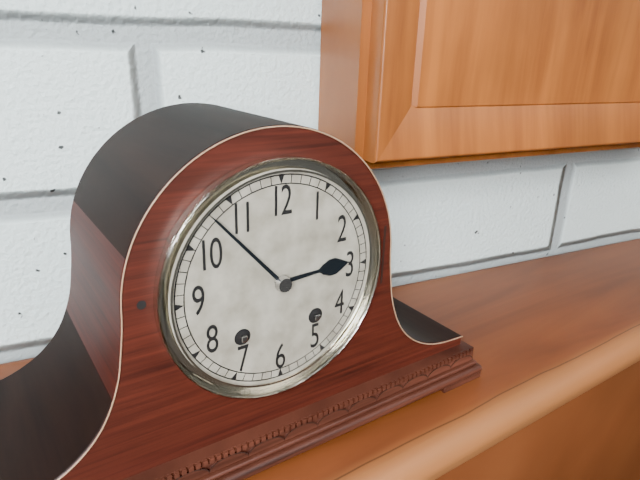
**2:53**
